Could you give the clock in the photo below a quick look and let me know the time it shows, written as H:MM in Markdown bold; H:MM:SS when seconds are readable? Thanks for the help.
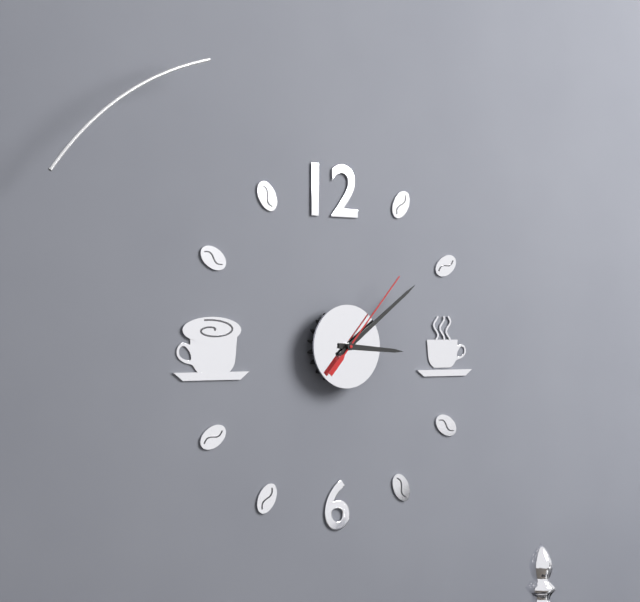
**3:09:07**
